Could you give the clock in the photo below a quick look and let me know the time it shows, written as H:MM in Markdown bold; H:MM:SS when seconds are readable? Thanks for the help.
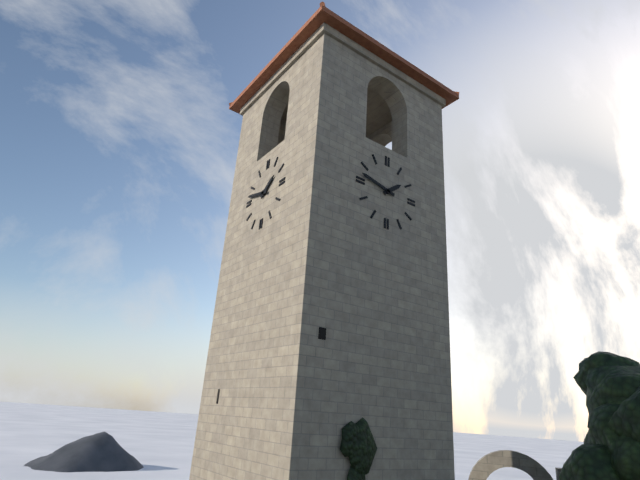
**1:47**
